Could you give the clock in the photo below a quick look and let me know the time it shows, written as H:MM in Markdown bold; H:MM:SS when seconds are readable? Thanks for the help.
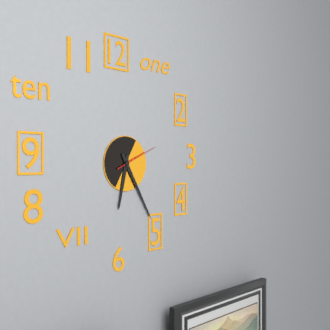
**6:25**
